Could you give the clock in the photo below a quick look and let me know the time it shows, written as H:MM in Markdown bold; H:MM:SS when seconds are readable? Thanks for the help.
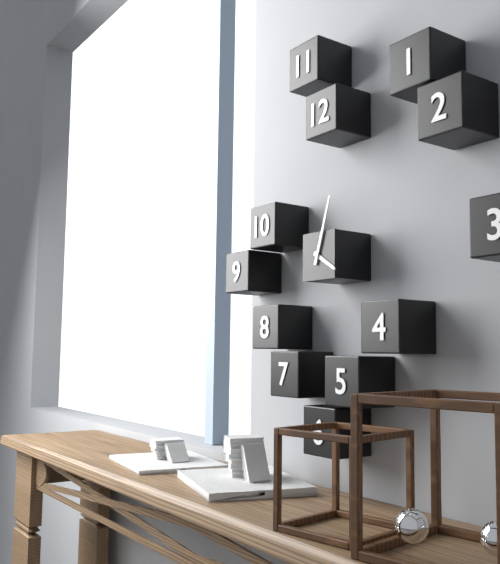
**4:03**
